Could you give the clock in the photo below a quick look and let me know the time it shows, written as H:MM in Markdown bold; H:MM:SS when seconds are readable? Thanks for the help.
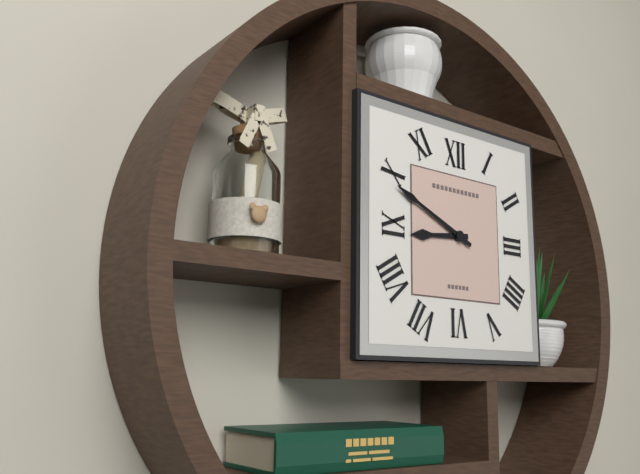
**8:49**
